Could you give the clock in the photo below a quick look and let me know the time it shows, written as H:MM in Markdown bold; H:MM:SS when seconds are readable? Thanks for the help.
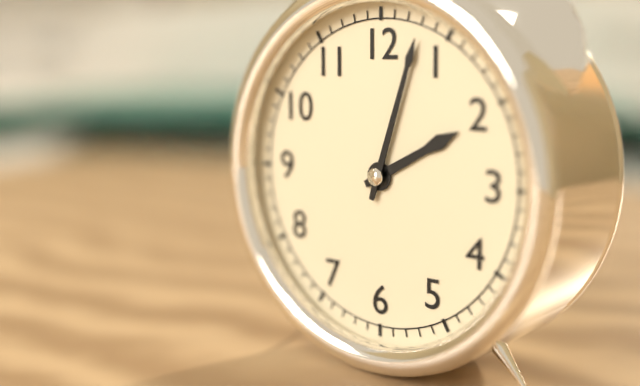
**2:03**
